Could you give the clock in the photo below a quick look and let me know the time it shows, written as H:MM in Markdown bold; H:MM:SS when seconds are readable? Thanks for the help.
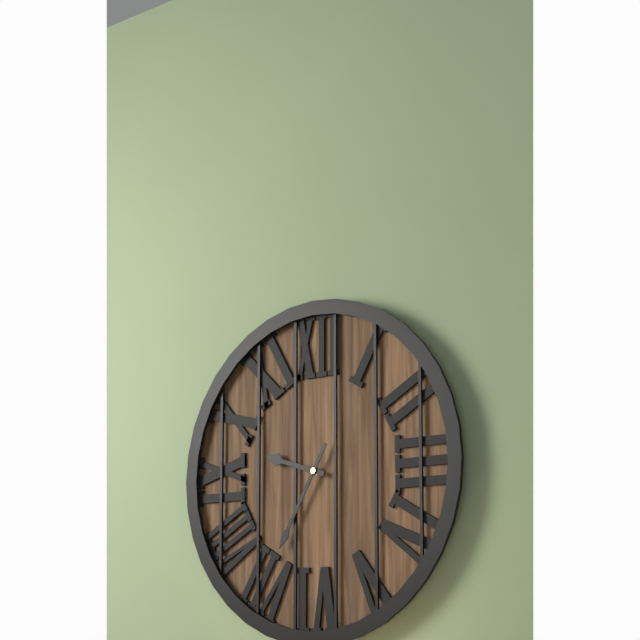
**9:35**
